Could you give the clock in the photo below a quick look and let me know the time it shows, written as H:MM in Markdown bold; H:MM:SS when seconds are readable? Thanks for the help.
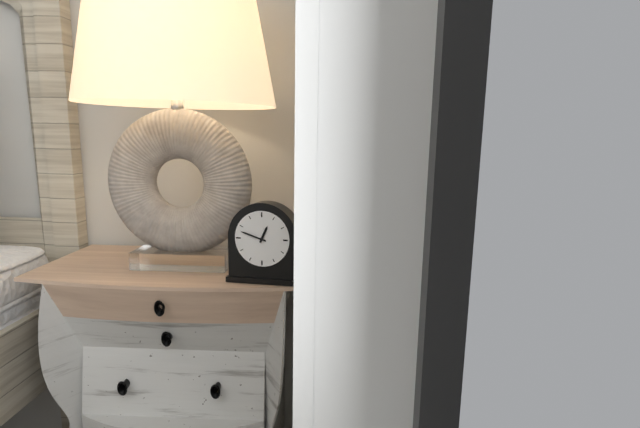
**12:48**
